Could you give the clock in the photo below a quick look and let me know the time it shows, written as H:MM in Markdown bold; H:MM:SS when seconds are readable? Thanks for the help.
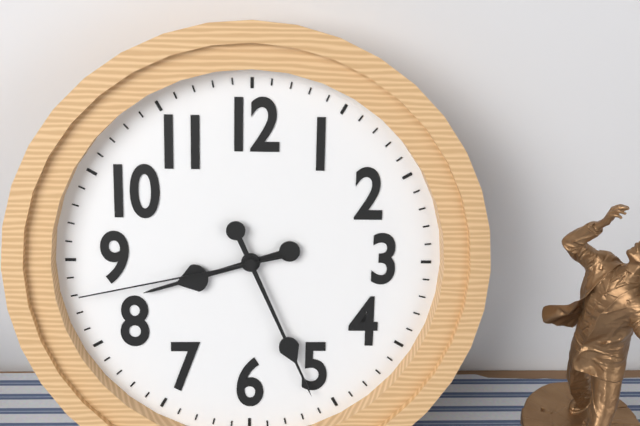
**8:26:43**
